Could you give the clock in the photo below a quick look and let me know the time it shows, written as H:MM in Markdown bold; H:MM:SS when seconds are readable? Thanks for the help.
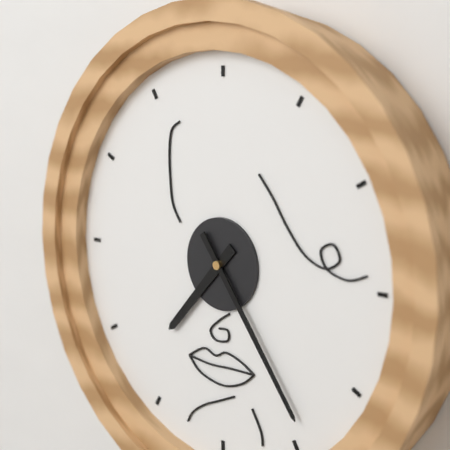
**7:24**
